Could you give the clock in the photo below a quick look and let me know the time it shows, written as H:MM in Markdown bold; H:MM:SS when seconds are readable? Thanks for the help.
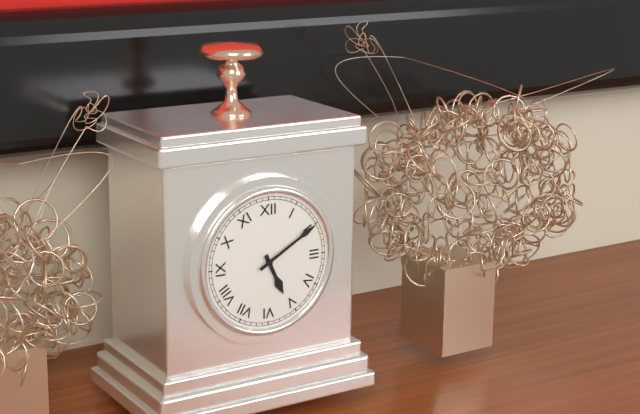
**5:10**
